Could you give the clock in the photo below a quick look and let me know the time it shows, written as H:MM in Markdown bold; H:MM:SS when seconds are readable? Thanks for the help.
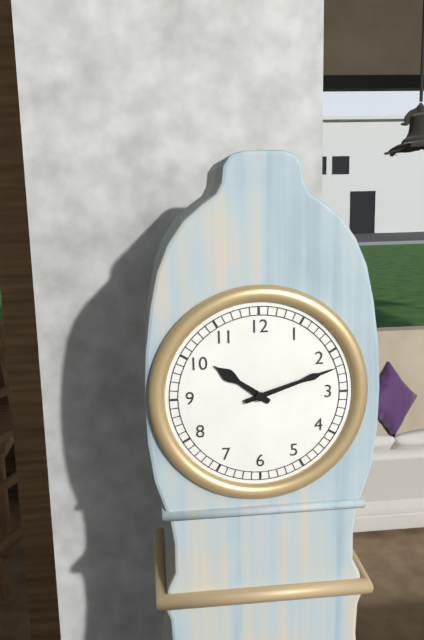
**10:12**
